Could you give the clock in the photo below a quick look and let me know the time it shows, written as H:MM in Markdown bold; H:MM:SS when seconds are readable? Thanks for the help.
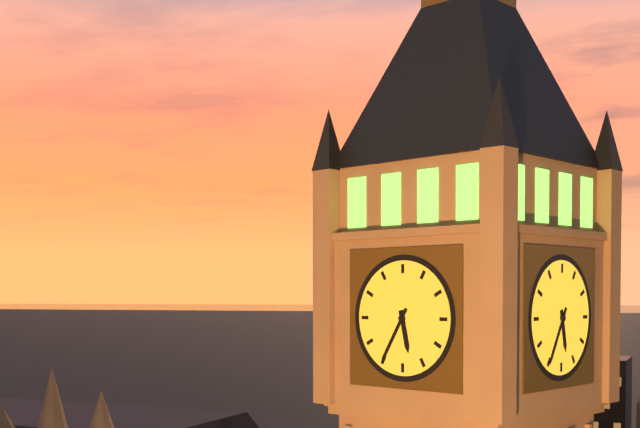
**5:35**
